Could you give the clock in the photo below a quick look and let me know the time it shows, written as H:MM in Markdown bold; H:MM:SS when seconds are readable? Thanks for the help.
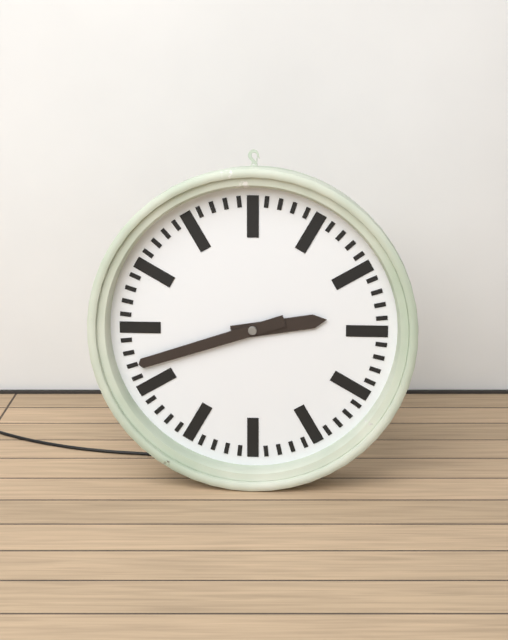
**2:42**
